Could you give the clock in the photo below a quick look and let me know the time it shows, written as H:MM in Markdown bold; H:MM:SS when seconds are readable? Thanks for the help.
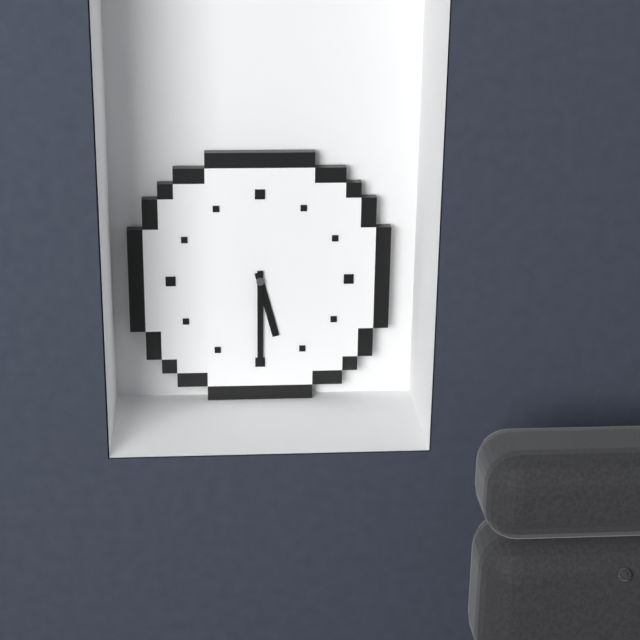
**5:30**
